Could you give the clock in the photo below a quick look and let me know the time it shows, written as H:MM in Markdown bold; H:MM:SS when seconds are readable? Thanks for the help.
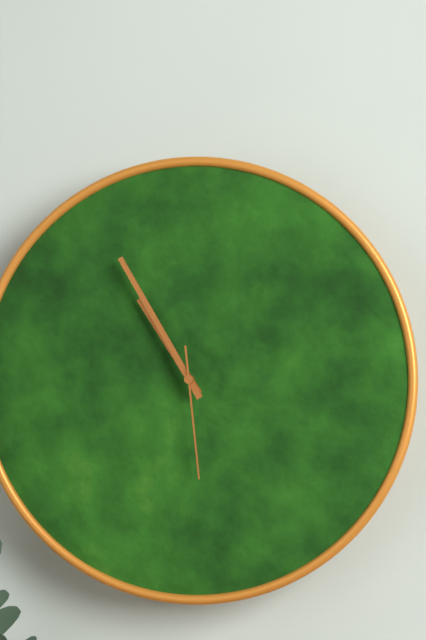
**10:55:29**
